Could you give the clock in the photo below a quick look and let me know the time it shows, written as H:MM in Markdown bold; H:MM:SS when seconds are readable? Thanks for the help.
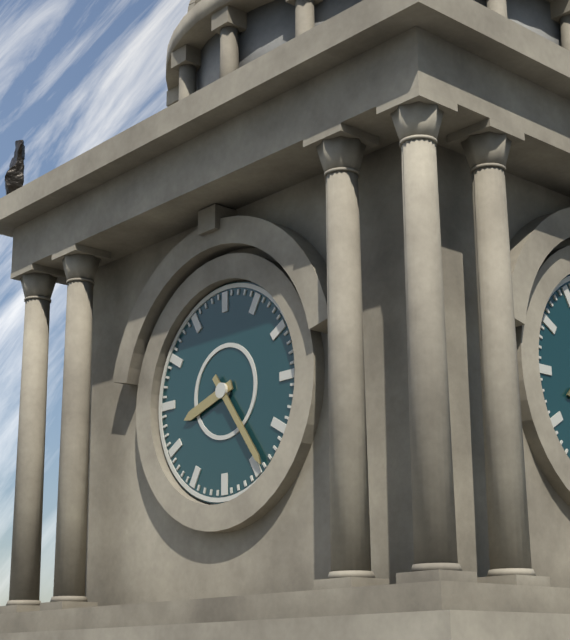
**8:24**
